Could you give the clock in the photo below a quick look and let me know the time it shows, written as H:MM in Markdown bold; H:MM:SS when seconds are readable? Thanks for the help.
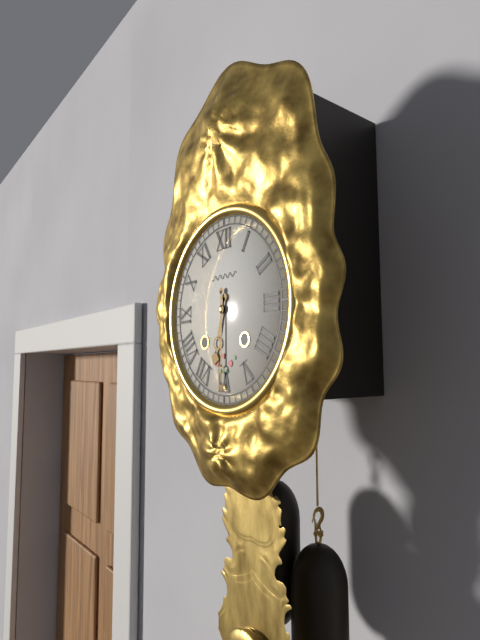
**6:30**
